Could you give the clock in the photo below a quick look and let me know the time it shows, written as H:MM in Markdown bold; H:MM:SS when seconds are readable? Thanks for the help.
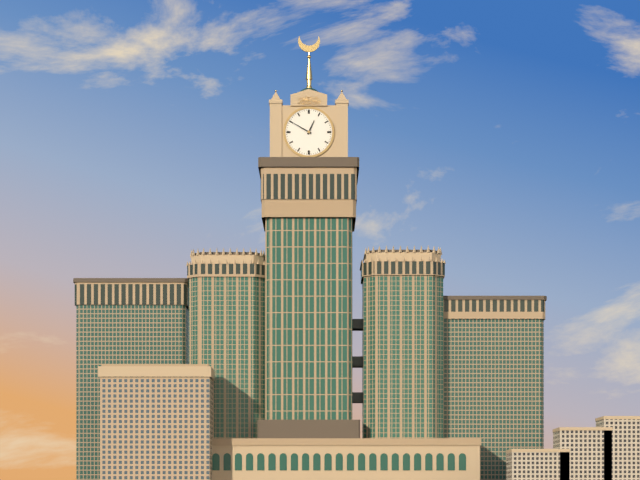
**12:50**
